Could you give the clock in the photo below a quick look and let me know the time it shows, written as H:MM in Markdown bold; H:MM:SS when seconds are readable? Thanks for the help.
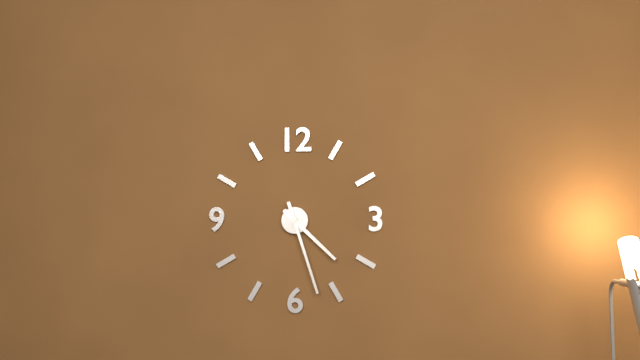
**4:27**
